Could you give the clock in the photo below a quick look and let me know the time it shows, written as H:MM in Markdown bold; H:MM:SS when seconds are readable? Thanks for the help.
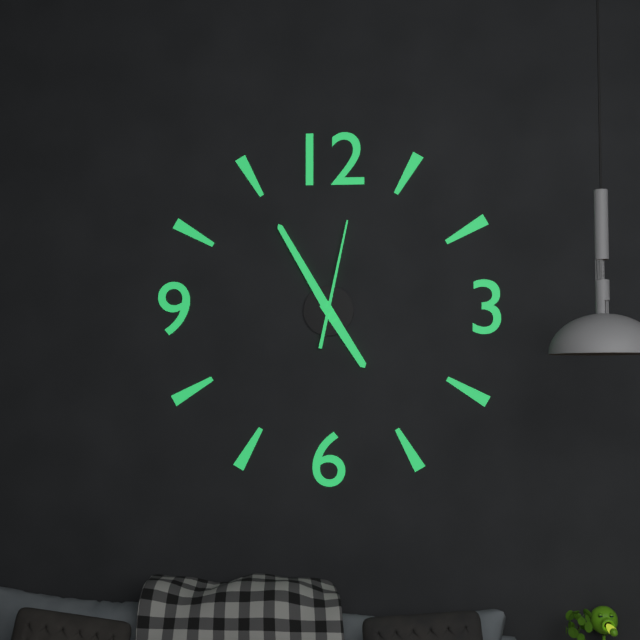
**4:55:02**
